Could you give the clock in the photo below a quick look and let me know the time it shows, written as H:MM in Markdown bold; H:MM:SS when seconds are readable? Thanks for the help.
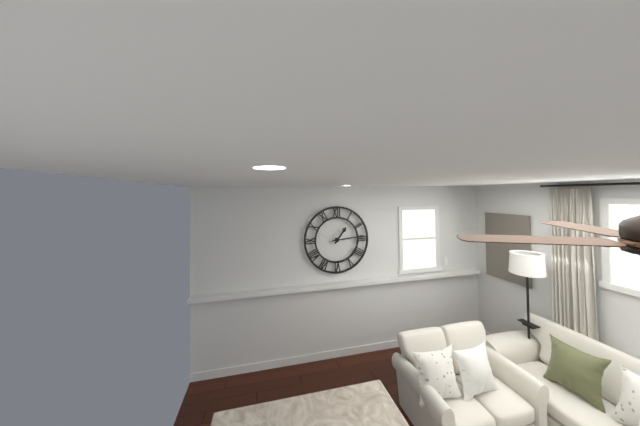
**1:14**
